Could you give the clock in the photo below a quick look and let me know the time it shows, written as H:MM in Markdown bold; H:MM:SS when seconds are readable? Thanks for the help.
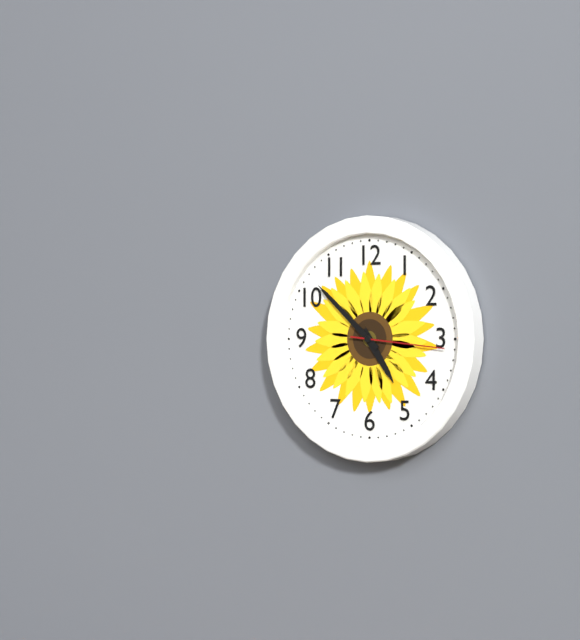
**4:52:16**
